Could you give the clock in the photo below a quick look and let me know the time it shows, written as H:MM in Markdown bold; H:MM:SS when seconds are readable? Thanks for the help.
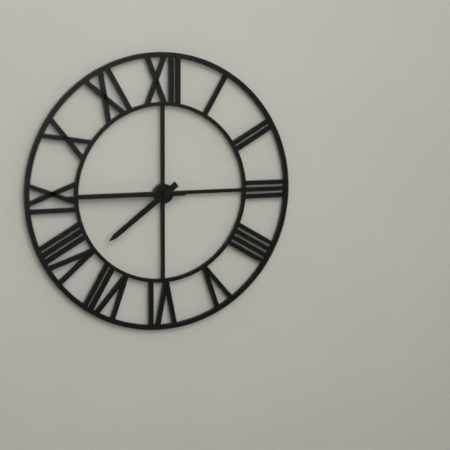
**7:45**
